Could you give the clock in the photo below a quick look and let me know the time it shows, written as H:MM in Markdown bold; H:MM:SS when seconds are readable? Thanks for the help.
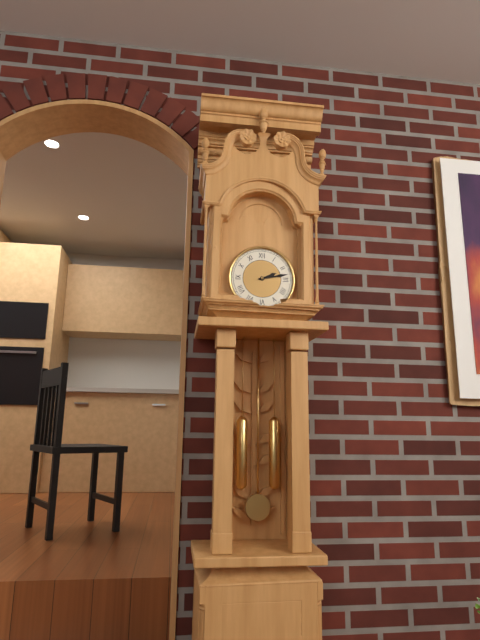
**2:13**
